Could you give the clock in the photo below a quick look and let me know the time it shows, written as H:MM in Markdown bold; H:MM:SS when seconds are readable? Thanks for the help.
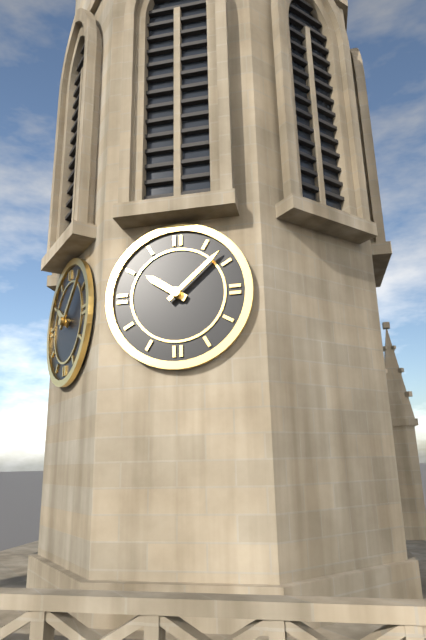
**10:08**
